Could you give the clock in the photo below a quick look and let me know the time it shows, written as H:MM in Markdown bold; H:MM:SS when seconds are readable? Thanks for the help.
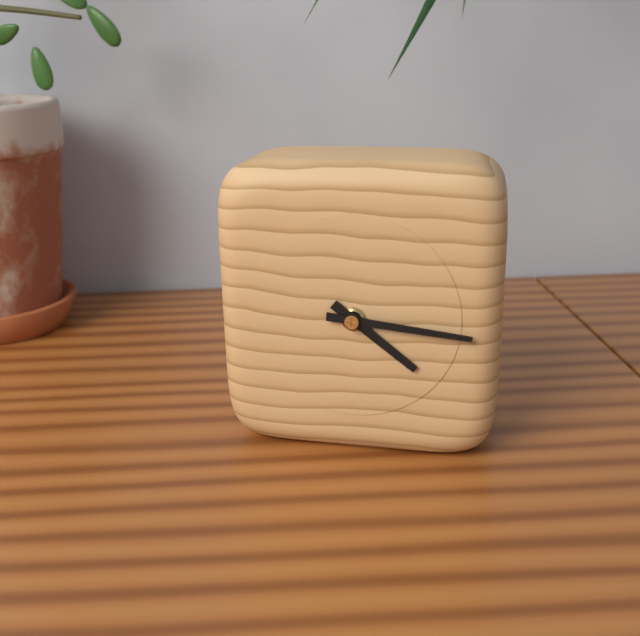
**4:16**
